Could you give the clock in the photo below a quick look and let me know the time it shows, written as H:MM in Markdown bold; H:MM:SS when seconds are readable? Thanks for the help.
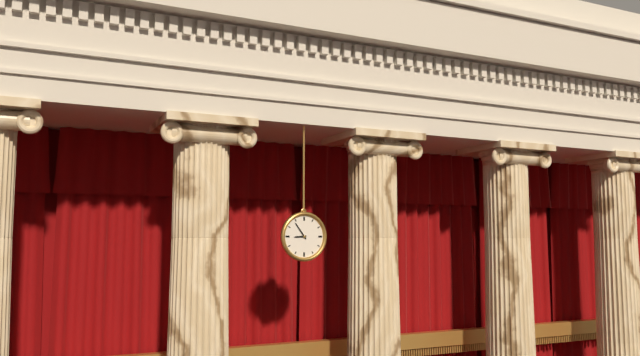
**8:54**
